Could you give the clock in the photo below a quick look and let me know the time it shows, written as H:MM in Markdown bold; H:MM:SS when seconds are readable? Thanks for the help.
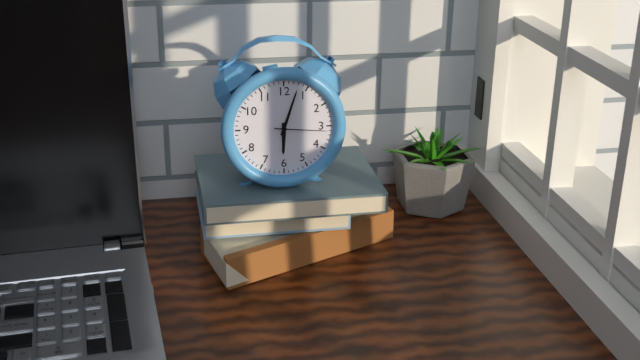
**6:03:16**
